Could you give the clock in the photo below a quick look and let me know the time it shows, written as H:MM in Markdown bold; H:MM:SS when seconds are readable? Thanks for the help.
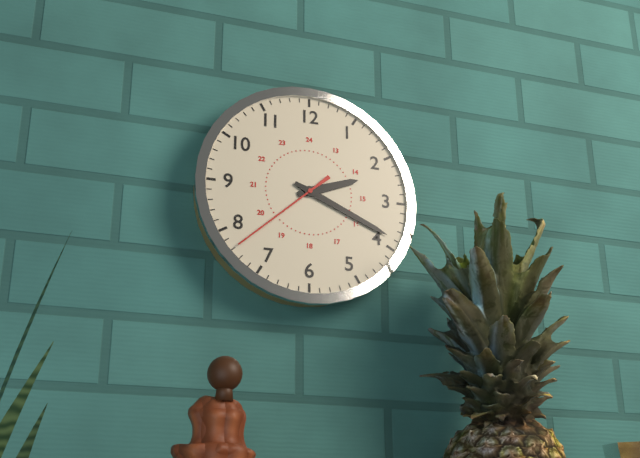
**2:19:38**
